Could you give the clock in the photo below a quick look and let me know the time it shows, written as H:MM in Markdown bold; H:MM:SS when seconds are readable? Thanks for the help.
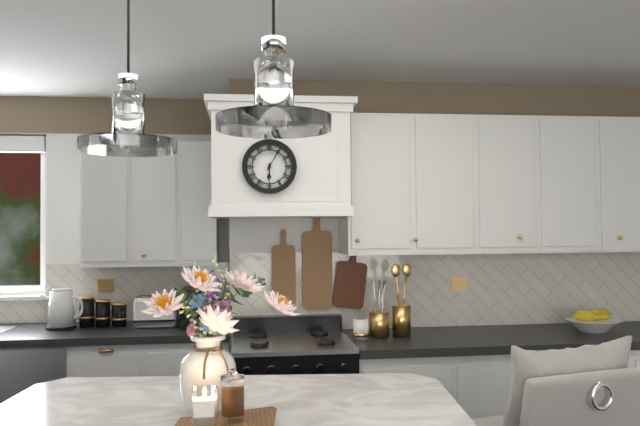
**6:05**
